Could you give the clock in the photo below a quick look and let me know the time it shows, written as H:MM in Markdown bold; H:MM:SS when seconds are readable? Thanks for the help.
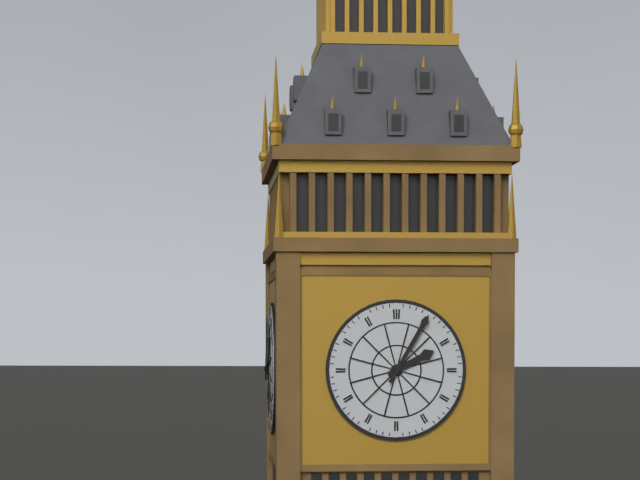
**2:05**
